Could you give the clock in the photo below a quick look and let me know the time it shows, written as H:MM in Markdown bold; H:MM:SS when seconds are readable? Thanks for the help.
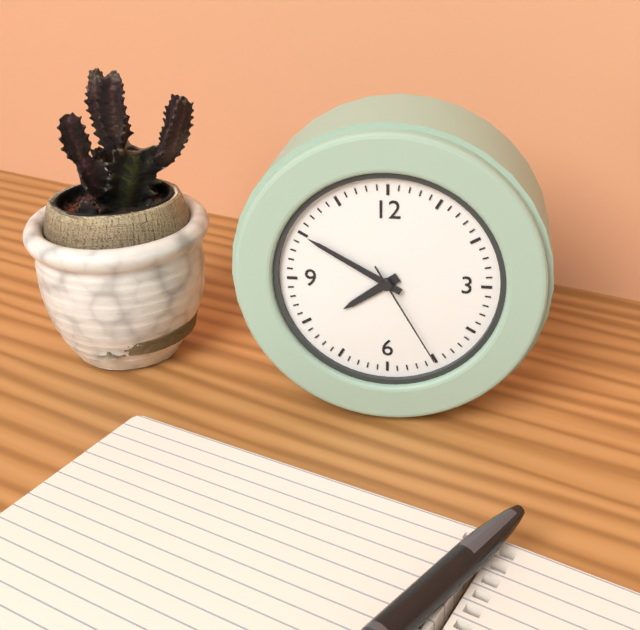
**7:50:25**
